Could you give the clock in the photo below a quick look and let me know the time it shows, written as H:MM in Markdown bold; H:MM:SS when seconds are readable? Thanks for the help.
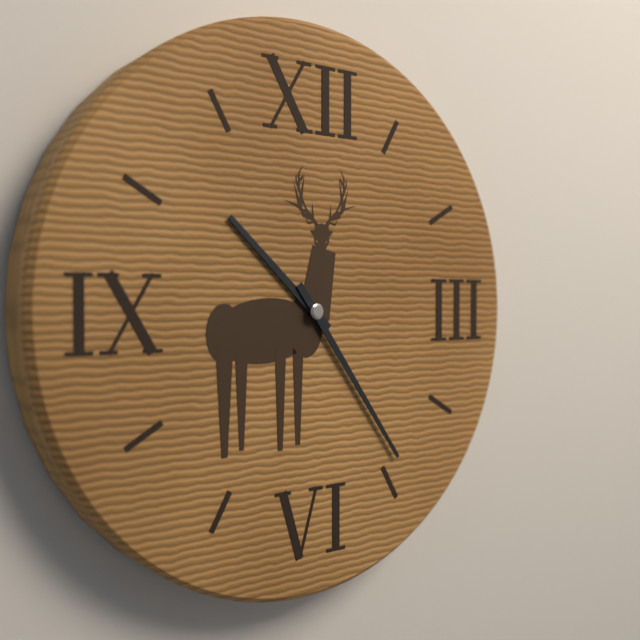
**10:24**
